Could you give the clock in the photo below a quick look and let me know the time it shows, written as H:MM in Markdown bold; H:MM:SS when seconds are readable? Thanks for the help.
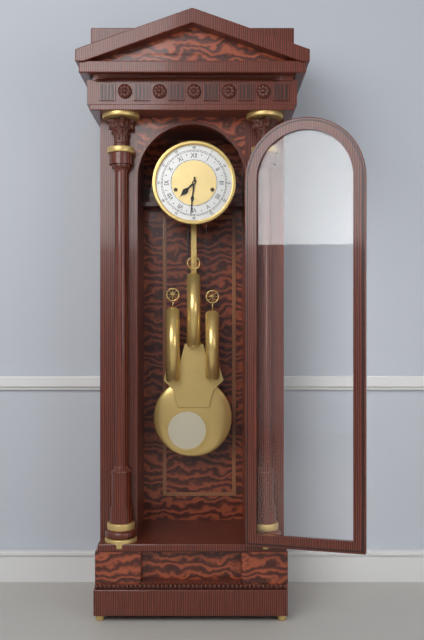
**7:31**
